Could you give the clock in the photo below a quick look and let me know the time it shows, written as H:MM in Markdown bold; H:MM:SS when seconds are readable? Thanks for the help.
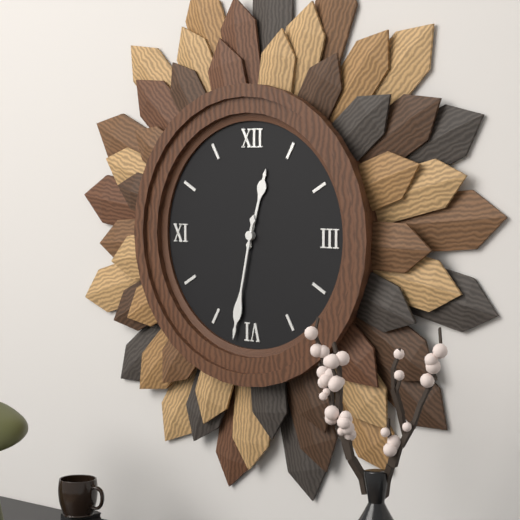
**12:32**
